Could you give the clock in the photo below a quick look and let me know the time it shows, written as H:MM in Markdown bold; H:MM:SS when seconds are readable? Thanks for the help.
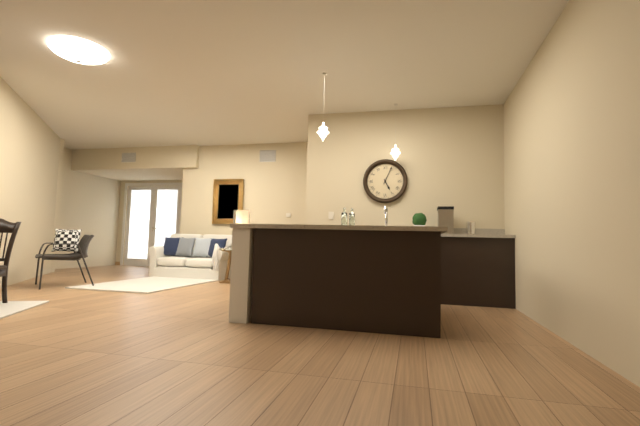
**5:04**
